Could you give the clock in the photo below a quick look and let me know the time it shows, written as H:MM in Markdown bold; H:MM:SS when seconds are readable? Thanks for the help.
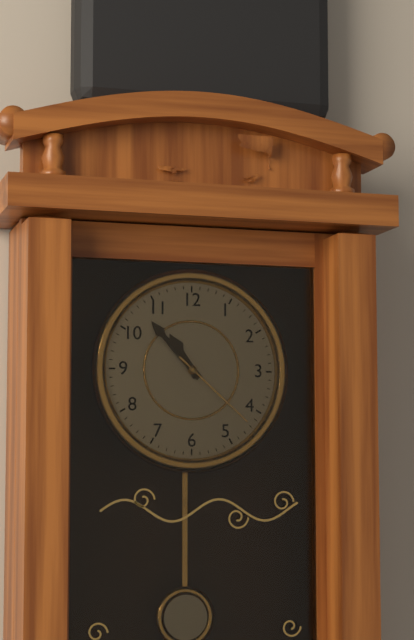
**10:53:22**
